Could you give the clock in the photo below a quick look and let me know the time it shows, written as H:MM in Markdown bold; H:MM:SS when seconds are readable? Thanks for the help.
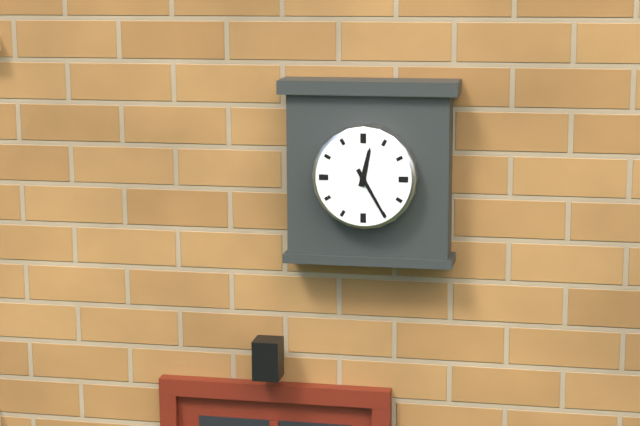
**12:25**
